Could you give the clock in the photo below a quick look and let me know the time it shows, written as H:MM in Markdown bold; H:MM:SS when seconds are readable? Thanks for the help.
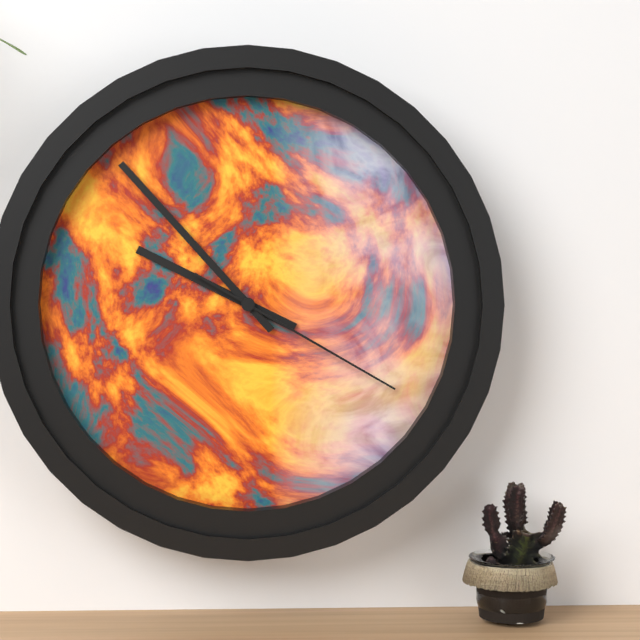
**9:53:20**
